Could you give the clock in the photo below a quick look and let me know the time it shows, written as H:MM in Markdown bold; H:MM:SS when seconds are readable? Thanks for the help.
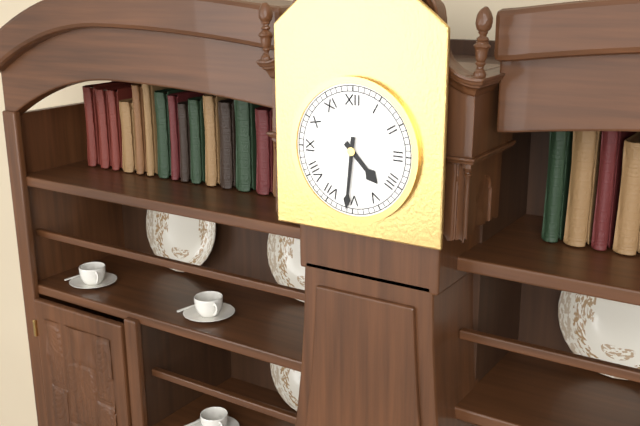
**4:31**
